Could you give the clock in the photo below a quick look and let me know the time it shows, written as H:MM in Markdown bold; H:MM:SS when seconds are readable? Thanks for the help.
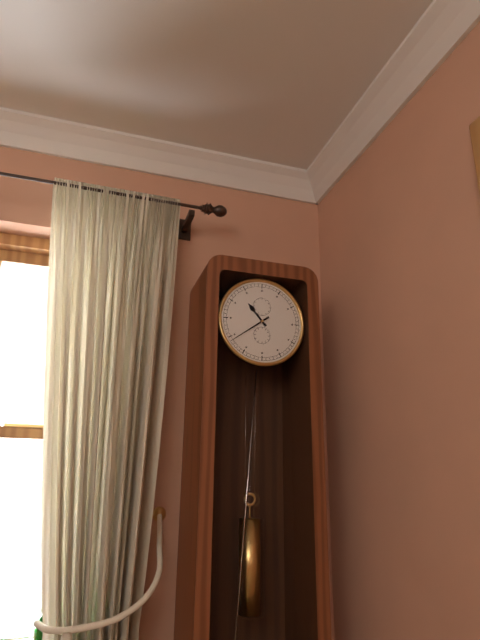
**10:39**
